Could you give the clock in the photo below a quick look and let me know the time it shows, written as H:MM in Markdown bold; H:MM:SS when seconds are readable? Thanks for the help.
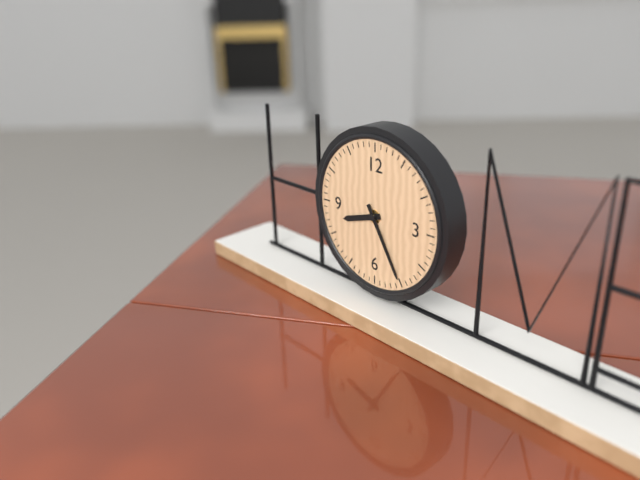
**8:25**
